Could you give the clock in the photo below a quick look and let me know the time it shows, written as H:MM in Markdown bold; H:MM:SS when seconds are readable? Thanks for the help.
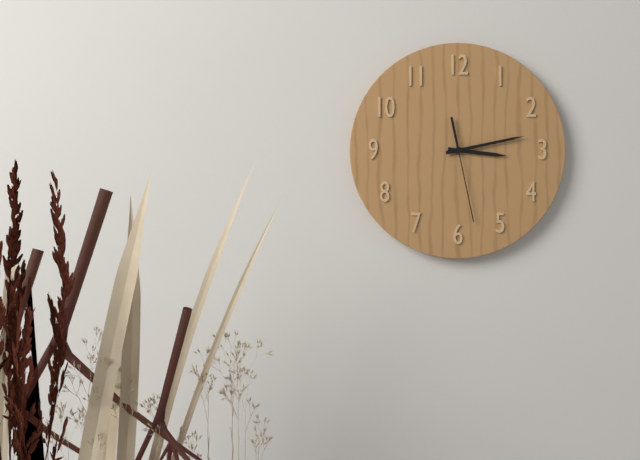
**3:13:28**
